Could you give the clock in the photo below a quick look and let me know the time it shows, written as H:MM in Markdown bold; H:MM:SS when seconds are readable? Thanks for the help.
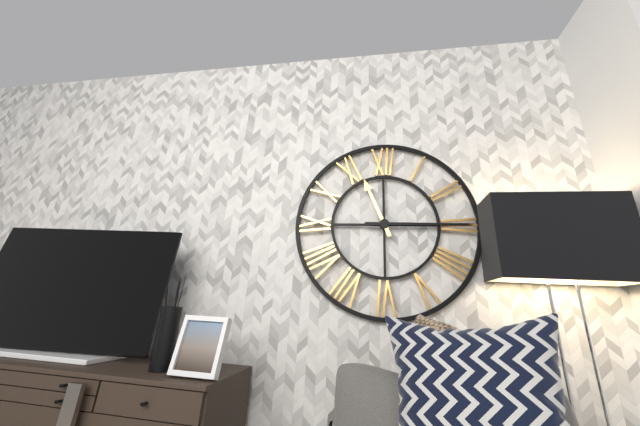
**11:15**
